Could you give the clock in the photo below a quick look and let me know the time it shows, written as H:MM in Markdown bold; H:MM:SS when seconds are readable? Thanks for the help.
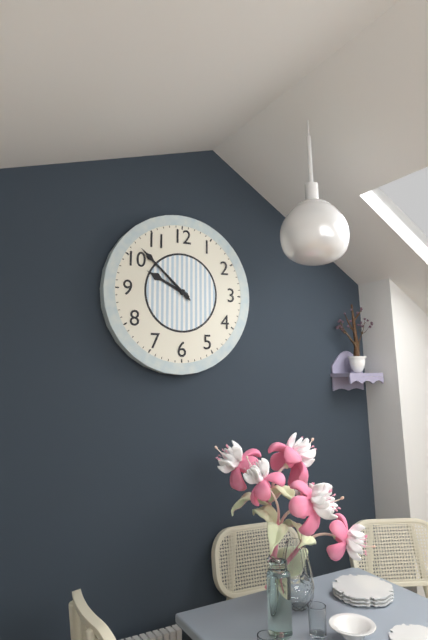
**9:52**
